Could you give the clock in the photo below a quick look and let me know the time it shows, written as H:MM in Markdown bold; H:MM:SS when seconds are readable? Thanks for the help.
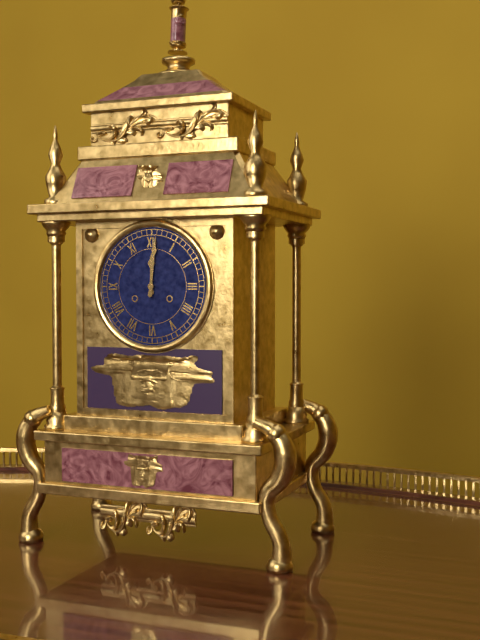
**12:01**
